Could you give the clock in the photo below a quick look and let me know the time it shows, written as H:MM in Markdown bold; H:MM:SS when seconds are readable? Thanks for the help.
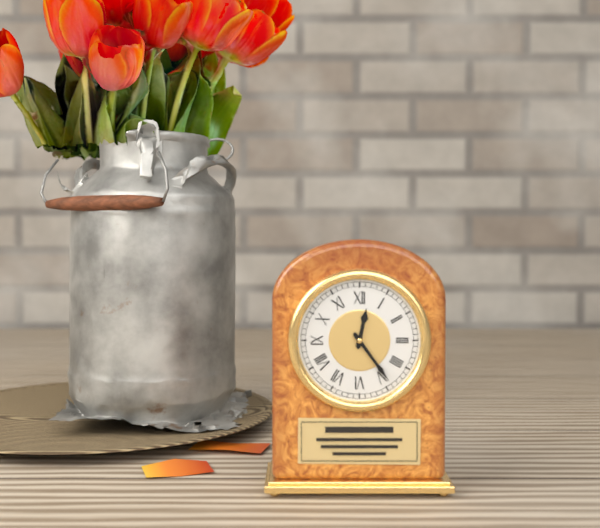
**12:24**
